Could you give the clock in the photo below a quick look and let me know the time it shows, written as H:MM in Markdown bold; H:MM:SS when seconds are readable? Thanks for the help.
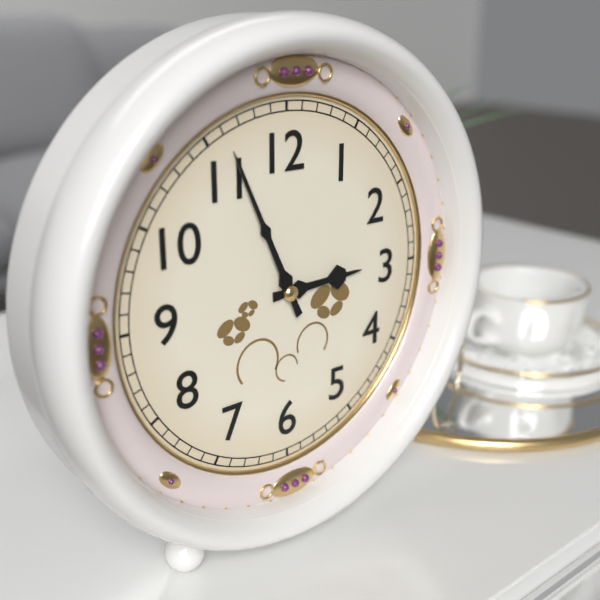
**2:56**
